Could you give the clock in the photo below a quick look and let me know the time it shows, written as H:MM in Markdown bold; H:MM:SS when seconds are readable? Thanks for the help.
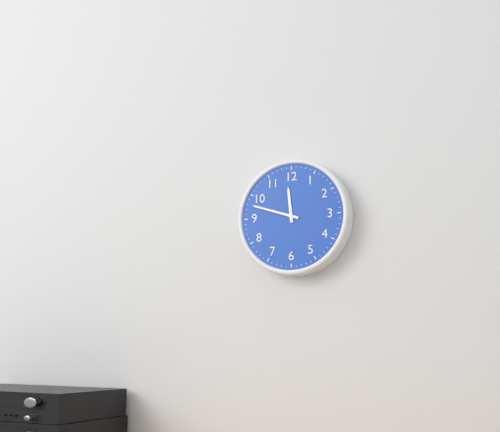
**11:48**
